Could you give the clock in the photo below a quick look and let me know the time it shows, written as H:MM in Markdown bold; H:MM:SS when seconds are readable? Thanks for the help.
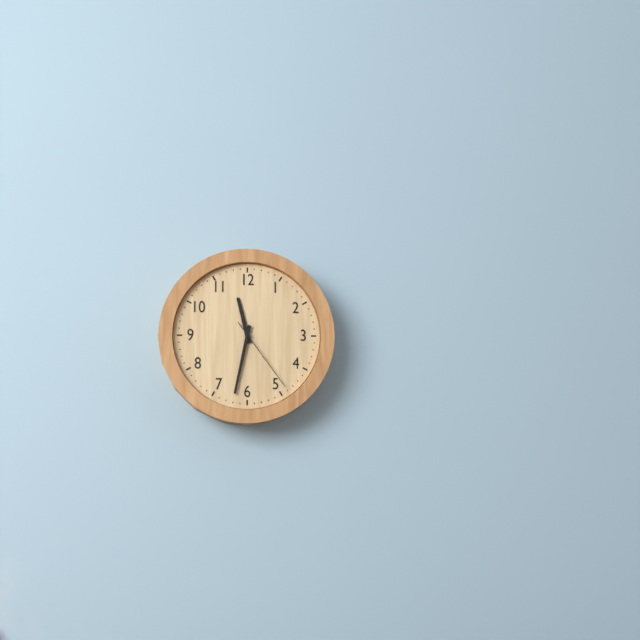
**11:32:24**
